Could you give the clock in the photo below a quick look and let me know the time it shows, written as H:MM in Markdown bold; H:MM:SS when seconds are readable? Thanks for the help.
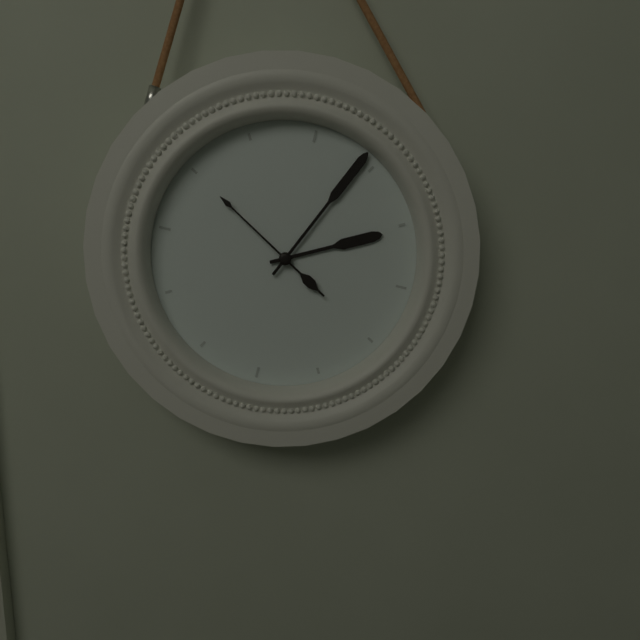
**2:04:50**
